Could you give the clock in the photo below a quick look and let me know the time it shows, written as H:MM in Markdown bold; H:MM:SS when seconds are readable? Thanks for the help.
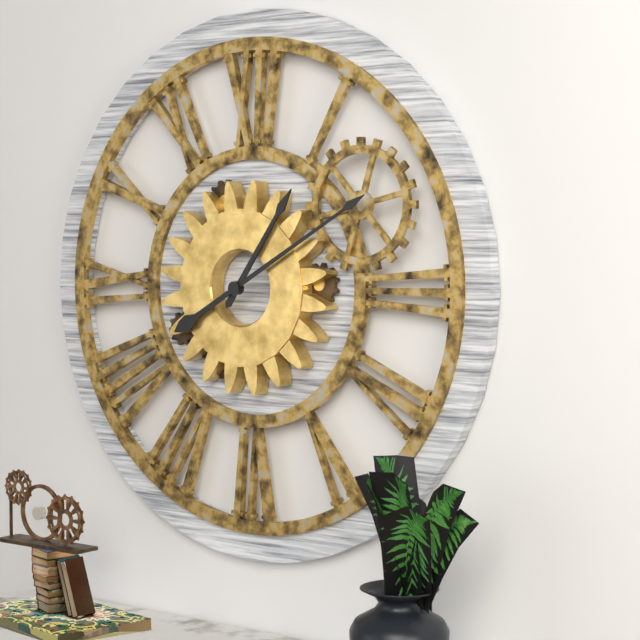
**1:10**
